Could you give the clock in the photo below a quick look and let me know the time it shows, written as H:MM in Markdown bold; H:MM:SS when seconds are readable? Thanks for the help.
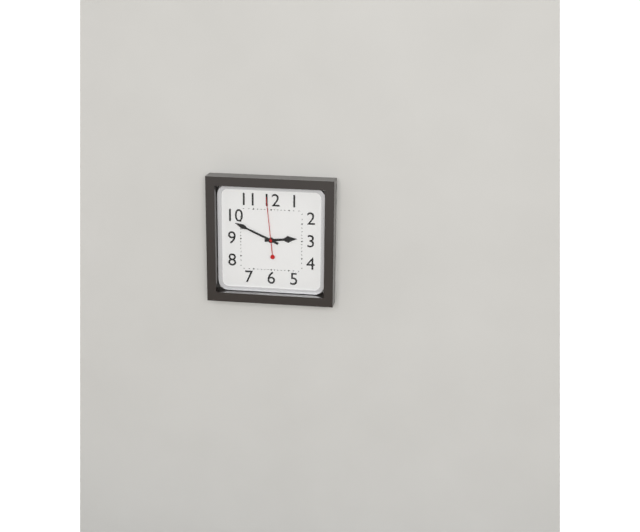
**2:49:59**
